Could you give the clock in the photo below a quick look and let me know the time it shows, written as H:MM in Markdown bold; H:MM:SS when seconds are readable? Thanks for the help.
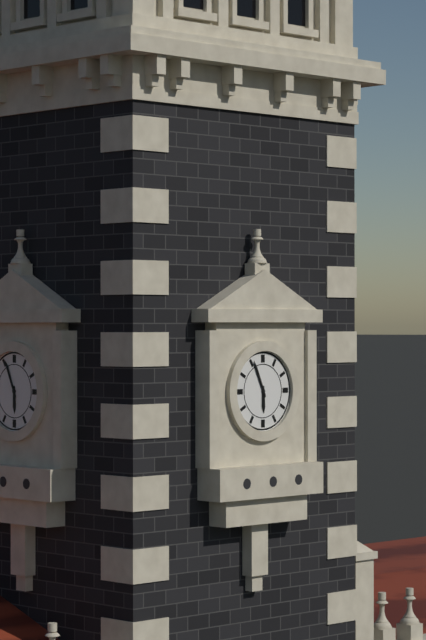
**5:56**
